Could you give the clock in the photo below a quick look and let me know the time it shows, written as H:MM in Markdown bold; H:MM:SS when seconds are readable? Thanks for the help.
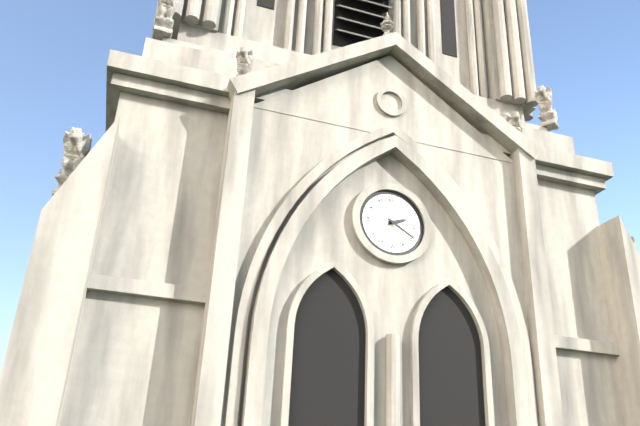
**2:20**
